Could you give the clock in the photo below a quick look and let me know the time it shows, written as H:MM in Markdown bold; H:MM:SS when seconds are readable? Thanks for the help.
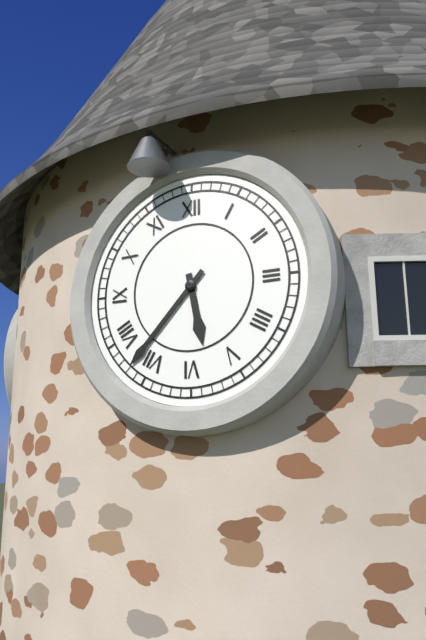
**5:37**
